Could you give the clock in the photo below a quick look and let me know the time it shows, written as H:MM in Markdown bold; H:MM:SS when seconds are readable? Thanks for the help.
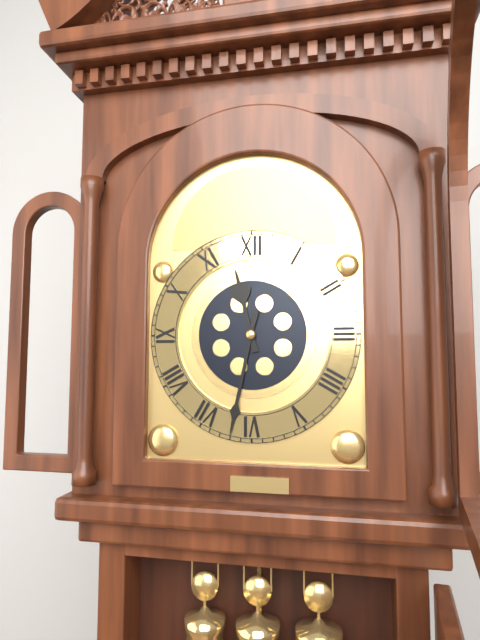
**11:32**
